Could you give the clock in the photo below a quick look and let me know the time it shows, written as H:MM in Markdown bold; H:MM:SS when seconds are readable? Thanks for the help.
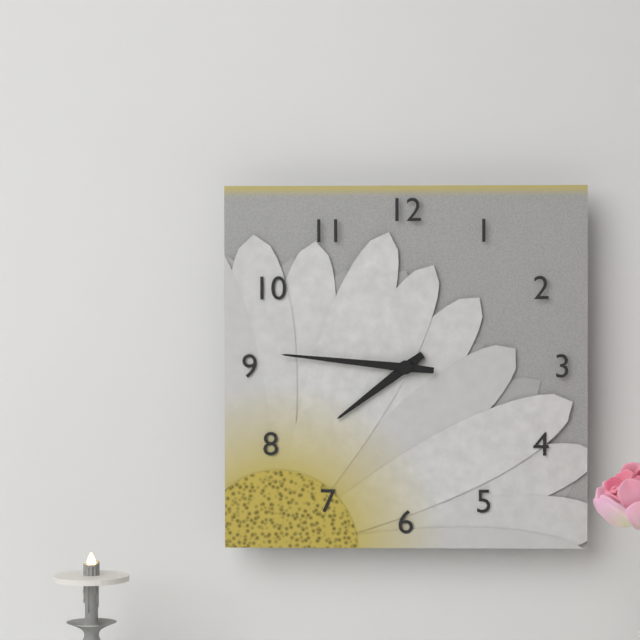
**7:46**
